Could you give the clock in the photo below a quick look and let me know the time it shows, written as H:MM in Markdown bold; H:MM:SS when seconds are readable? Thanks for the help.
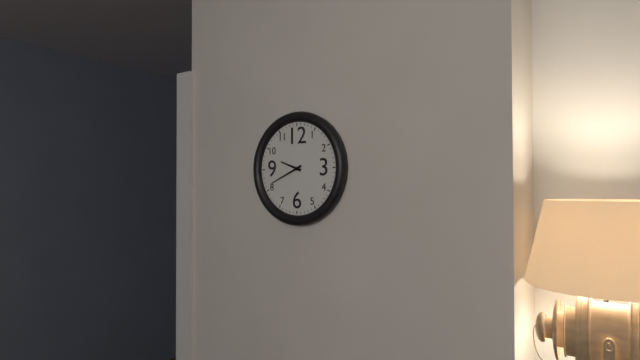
**9:41**
